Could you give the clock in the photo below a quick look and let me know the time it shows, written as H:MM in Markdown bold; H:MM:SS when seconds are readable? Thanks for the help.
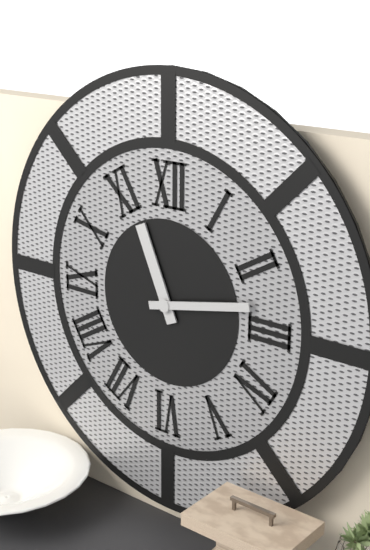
**11:13**
